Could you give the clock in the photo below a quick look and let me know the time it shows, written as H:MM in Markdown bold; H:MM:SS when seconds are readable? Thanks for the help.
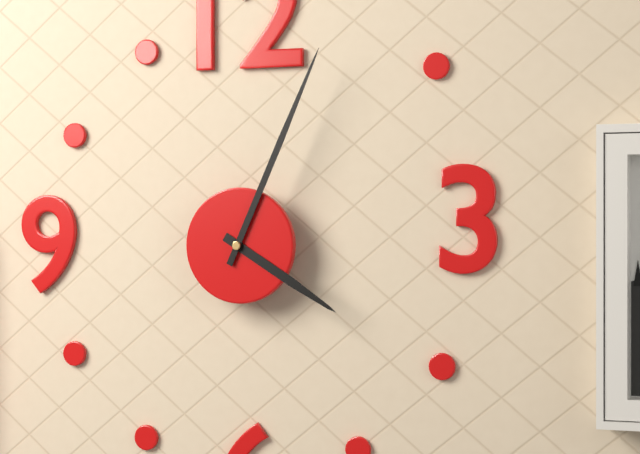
**4:04**
